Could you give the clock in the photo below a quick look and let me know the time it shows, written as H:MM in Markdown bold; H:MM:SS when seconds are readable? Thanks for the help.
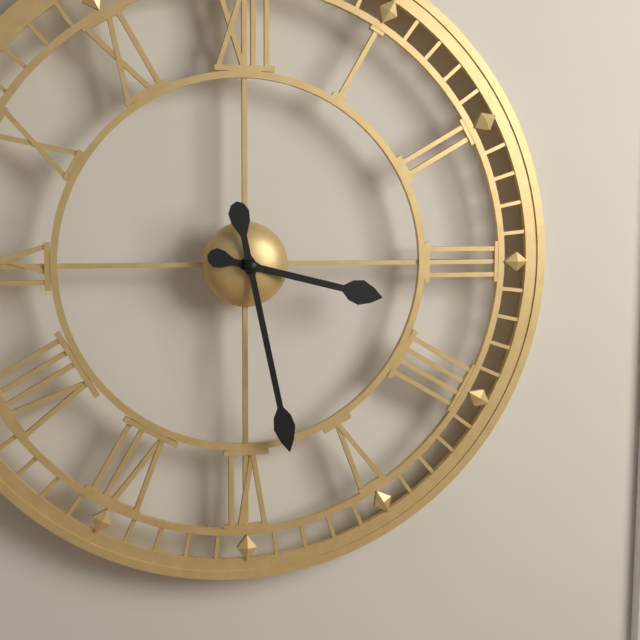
**3:28**
